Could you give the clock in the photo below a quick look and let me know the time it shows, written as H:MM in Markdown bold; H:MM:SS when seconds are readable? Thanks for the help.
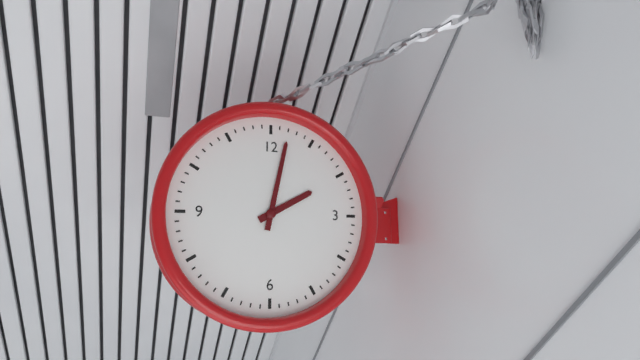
**2:02**
